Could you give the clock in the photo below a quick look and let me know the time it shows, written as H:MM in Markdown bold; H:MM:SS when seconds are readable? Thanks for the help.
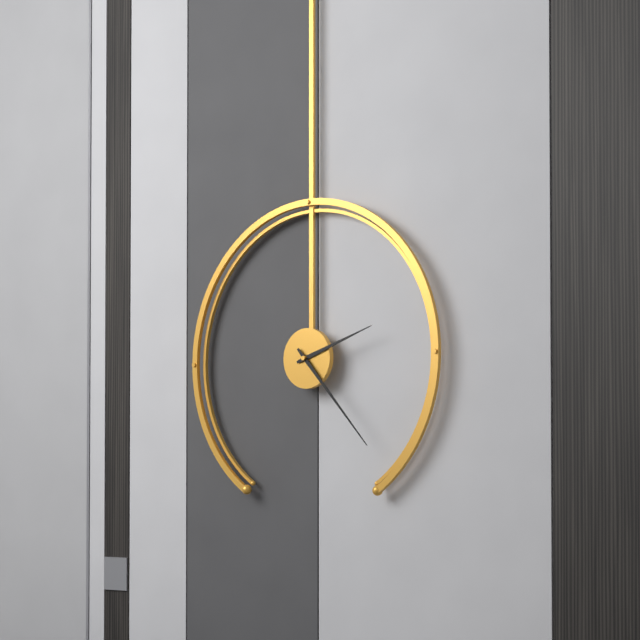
**2:23**
